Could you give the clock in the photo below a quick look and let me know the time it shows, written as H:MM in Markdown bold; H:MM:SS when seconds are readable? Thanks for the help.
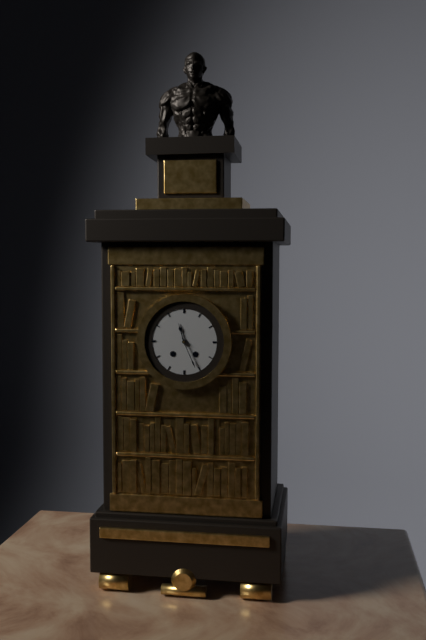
**11:26**
